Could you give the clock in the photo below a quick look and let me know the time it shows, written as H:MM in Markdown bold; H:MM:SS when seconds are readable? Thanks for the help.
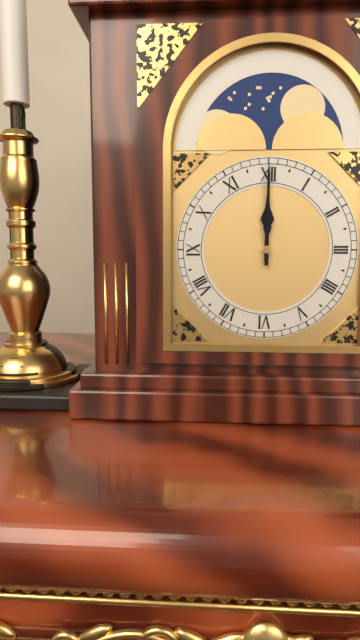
**12:00**
